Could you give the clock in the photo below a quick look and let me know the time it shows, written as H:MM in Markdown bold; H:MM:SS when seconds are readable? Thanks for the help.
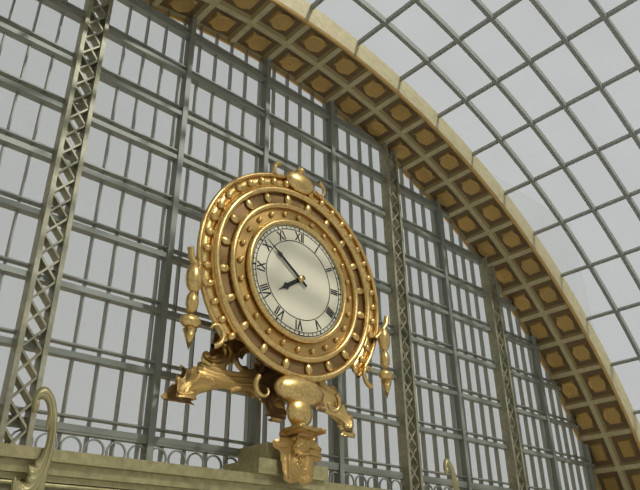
**7:51**
